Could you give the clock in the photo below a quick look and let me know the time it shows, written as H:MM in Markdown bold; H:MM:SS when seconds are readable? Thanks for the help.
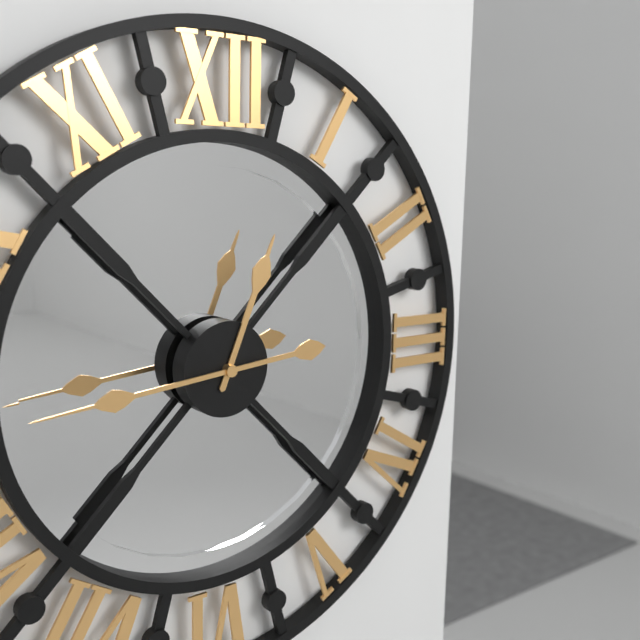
**12:44**
